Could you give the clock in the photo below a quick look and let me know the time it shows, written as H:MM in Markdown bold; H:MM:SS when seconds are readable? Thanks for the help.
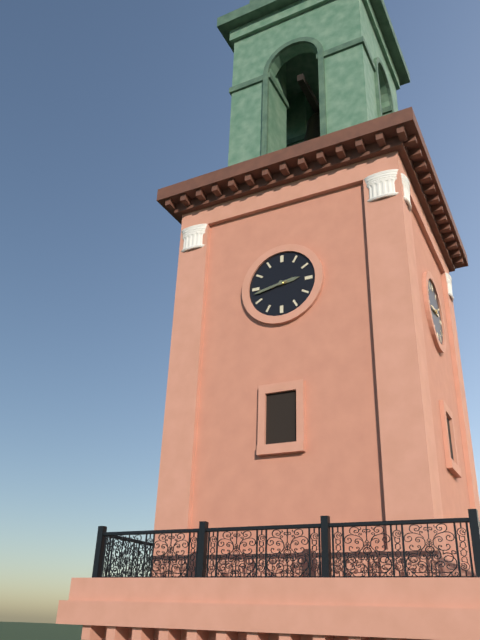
**2:43**
